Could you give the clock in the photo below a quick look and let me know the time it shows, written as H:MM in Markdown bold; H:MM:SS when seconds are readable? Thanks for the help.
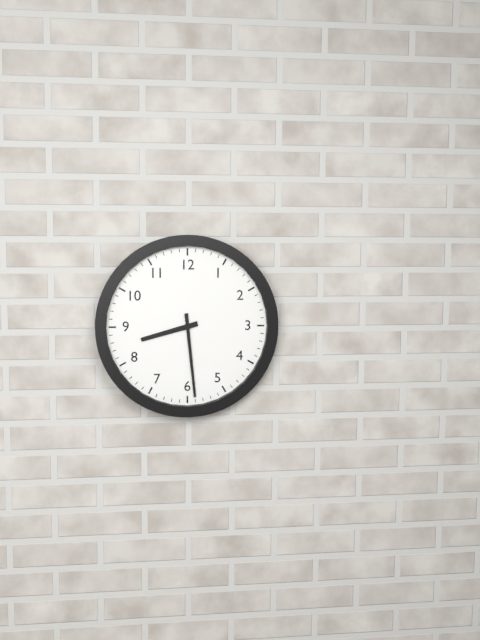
**8:29**
